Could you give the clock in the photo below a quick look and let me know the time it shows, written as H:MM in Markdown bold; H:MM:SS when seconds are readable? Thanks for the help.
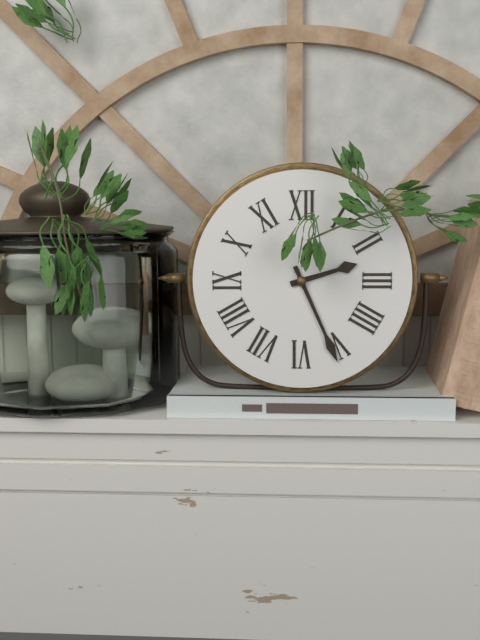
**2:26**
